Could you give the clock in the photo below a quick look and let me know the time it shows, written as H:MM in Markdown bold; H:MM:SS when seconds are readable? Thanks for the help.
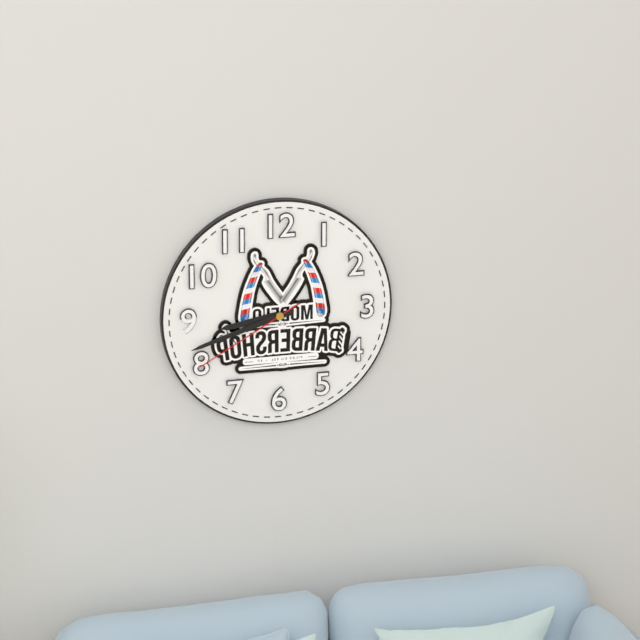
**8:42:40**
